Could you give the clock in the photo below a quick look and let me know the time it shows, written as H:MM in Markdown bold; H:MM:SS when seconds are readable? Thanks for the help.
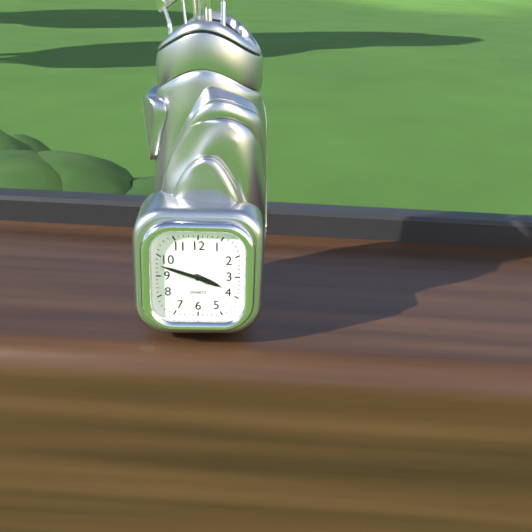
**3:48**
